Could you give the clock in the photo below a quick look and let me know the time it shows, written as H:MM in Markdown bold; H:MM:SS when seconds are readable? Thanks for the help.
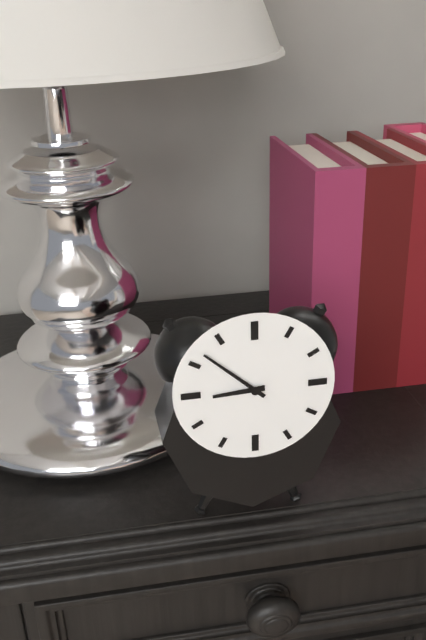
**8:52**
